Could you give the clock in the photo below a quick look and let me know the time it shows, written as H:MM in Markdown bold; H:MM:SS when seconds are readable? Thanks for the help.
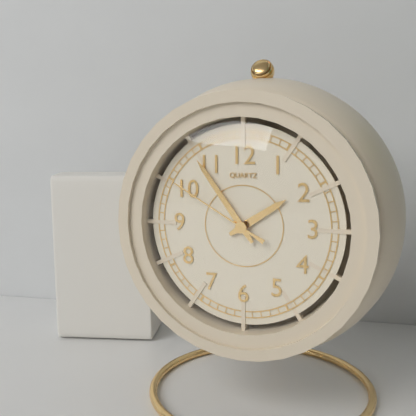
**1:54:50**
